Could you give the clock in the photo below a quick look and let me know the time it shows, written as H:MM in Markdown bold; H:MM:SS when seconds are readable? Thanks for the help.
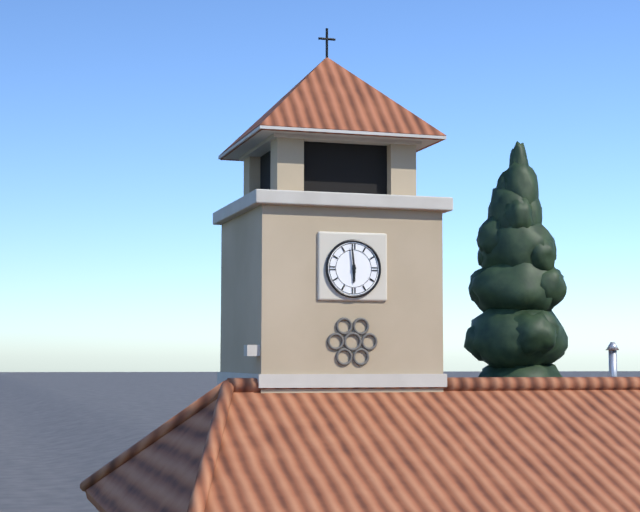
**5:59**
